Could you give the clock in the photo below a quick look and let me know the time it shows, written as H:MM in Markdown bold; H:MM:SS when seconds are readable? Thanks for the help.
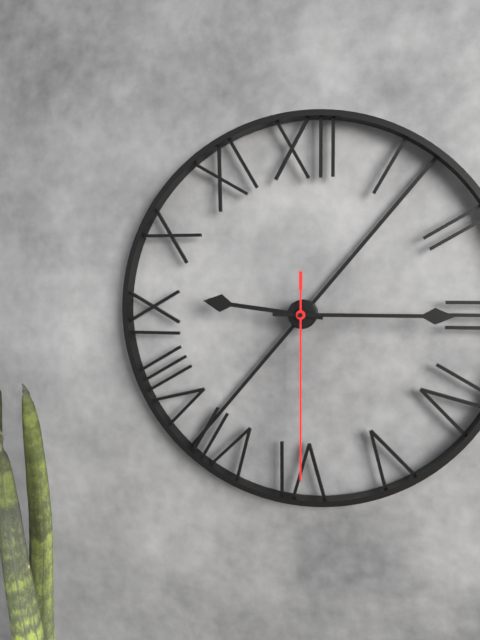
**9:15:30**
